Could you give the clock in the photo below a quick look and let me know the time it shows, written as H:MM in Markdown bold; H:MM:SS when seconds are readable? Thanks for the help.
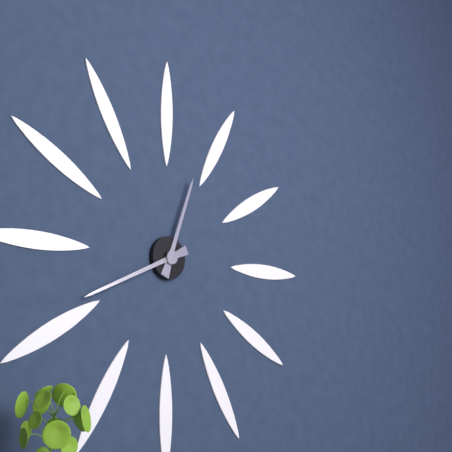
**12:41**
